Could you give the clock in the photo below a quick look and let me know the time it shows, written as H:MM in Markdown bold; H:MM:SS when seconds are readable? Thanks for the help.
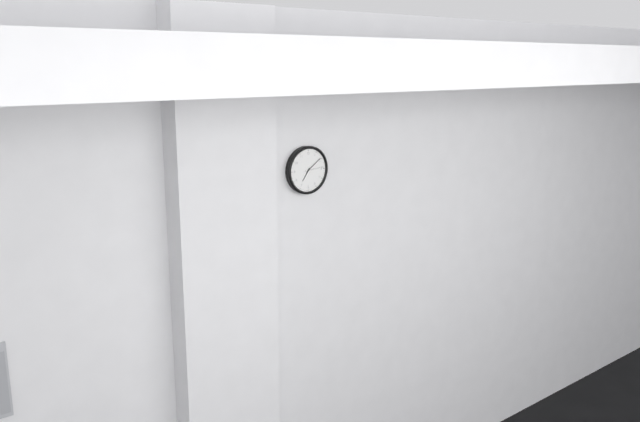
**7:09**
